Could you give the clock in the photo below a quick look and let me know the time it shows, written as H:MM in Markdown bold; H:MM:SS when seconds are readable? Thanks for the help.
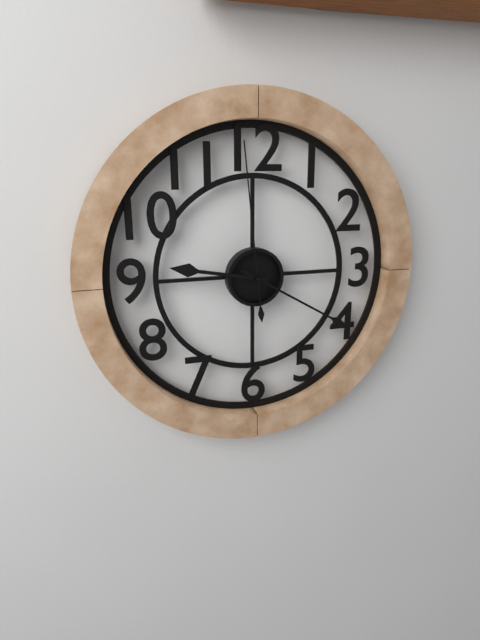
**9:20:59**
